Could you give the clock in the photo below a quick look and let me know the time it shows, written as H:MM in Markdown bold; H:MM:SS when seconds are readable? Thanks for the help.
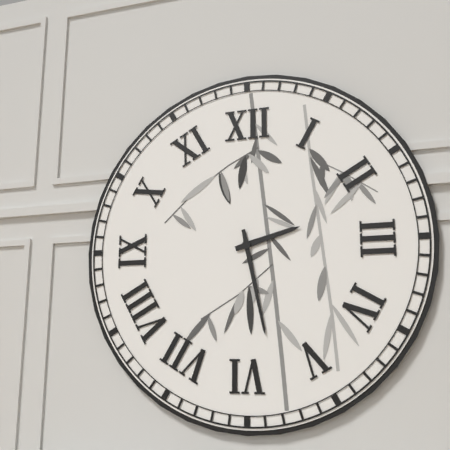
**2:28**
